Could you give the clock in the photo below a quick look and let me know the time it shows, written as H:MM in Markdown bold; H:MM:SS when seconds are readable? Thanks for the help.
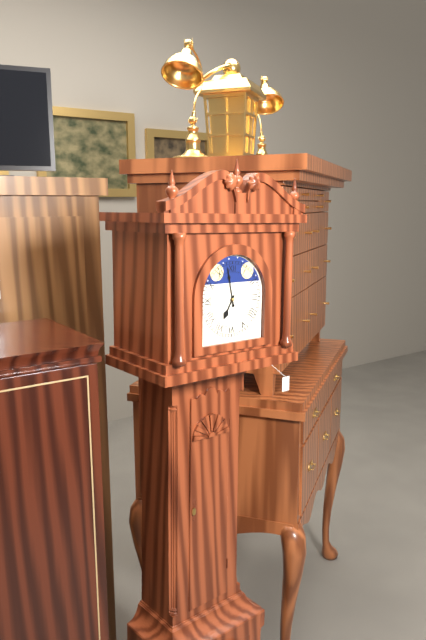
**6:58**
